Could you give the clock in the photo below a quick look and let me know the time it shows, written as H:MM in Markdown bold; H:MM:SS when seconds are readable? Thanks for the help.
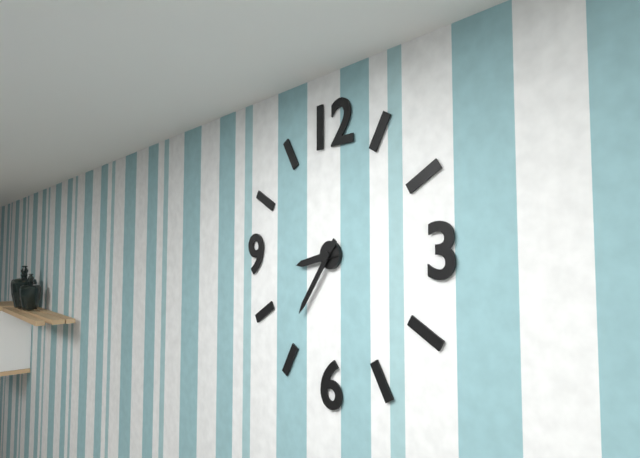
**8:36**
